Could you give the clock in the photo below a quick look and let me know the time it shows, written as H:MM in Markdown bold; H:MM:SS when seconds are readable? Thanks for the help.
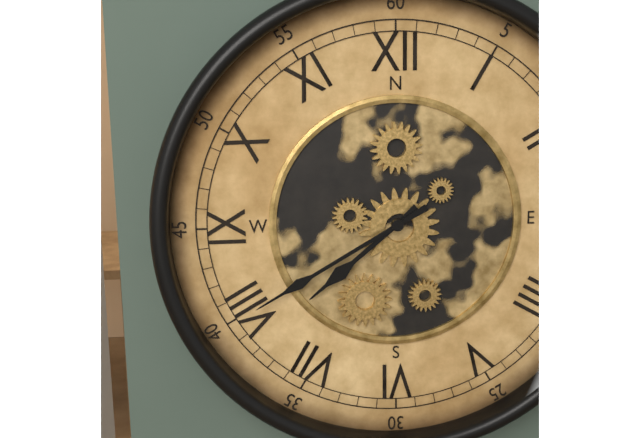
**7:40**
